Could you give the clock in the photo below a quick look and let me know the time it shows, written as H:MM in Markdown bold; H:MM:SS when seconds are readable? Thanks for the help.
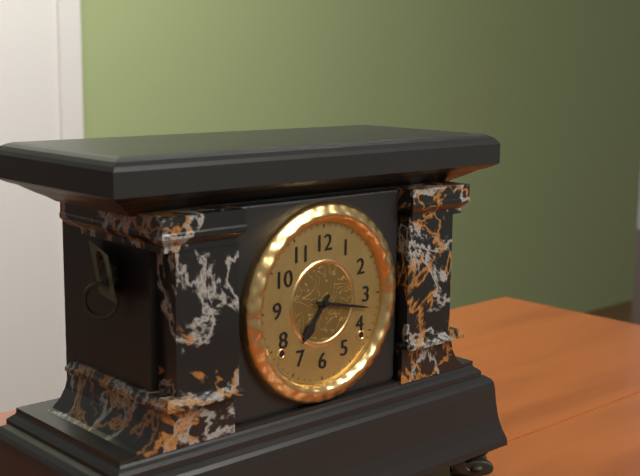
**7:17**
